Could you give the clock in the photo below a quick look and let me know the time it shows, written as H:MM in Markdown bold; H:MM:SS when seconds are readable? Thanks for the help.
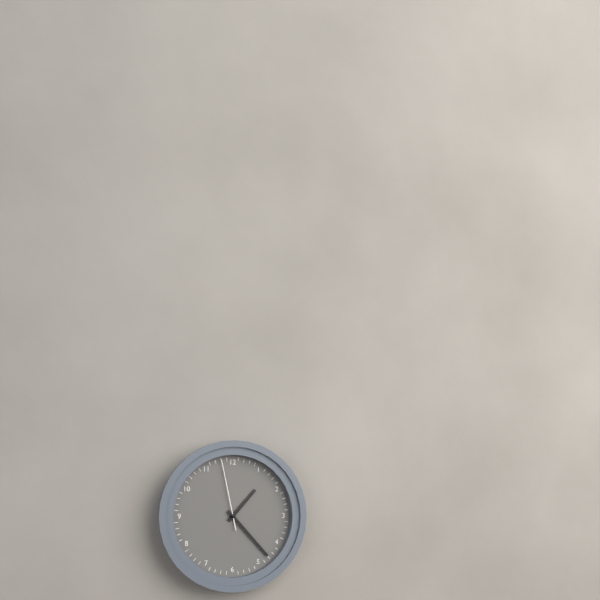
**1:23:58**
